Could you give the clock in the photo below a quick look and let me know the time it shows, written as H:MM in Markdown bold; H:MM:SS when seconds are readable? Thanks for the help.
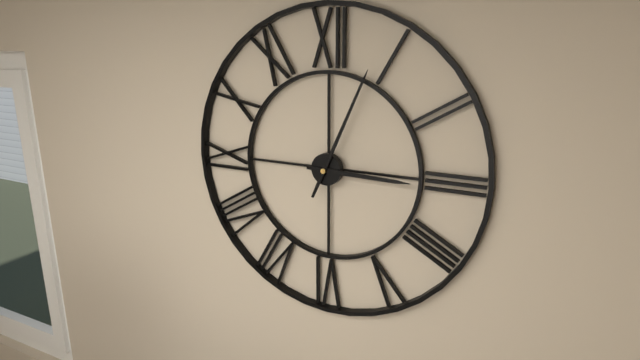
**3:04**
